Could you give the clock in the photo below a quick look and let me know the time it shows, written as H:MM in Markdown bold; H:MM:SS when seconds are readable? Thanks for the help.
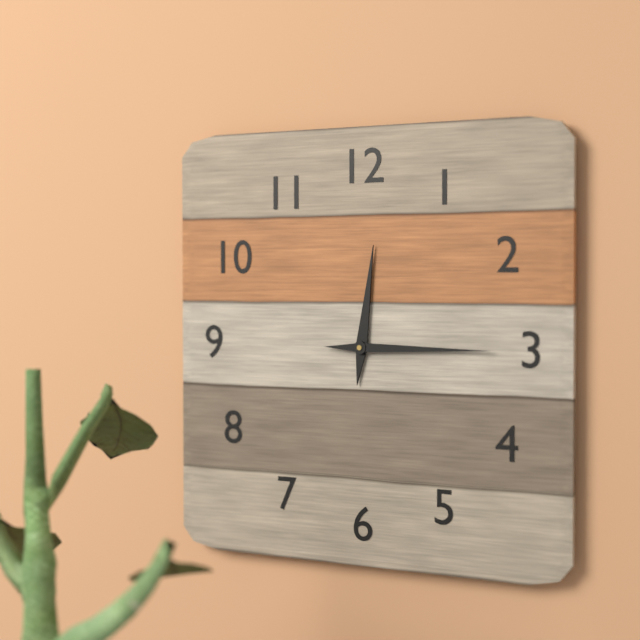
**12:15**
